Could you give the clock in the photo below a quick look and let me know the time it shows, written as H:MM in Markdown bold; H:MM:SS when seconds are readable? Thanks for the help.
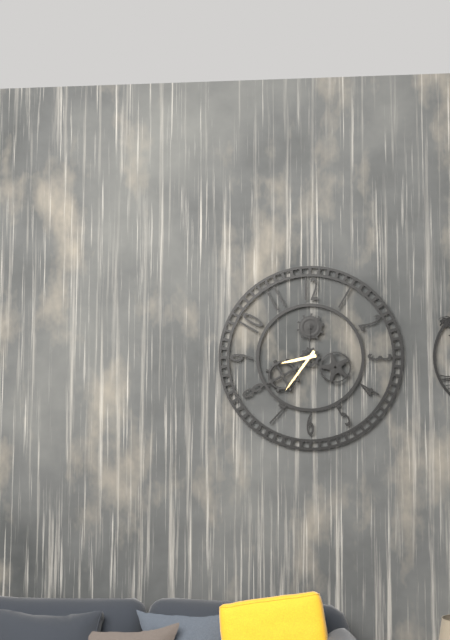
**8:36**
